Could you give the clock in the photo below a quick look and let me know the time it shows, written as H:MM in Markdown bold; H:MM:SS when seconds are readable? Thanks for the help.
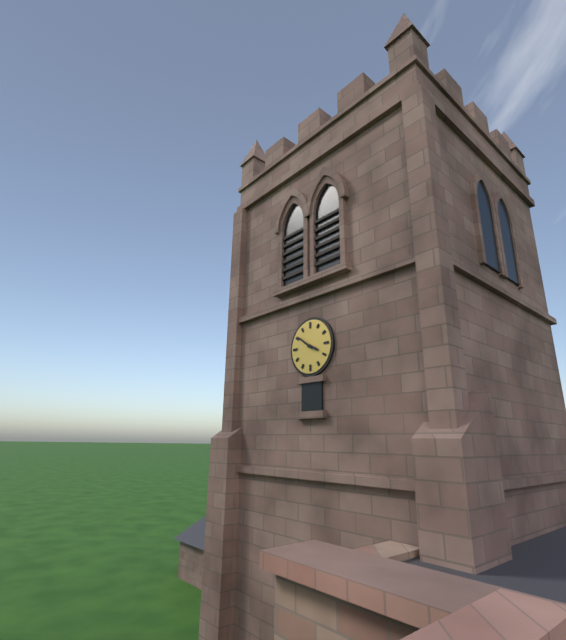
**3:51**
